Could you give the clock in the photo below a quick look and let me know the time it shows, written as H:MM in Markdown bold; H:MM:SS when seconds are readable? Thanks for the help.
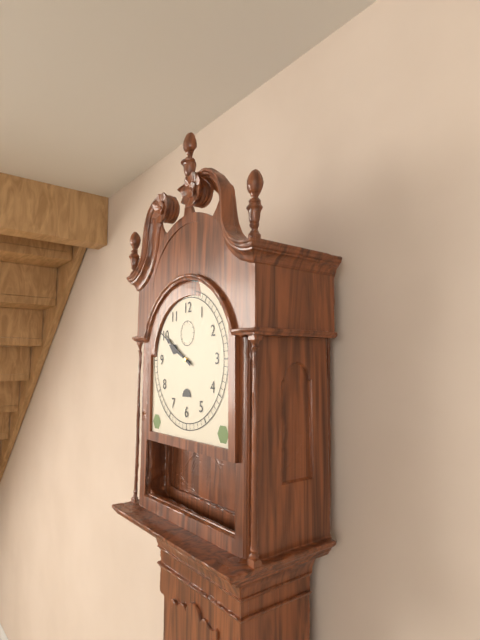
**9:50**
